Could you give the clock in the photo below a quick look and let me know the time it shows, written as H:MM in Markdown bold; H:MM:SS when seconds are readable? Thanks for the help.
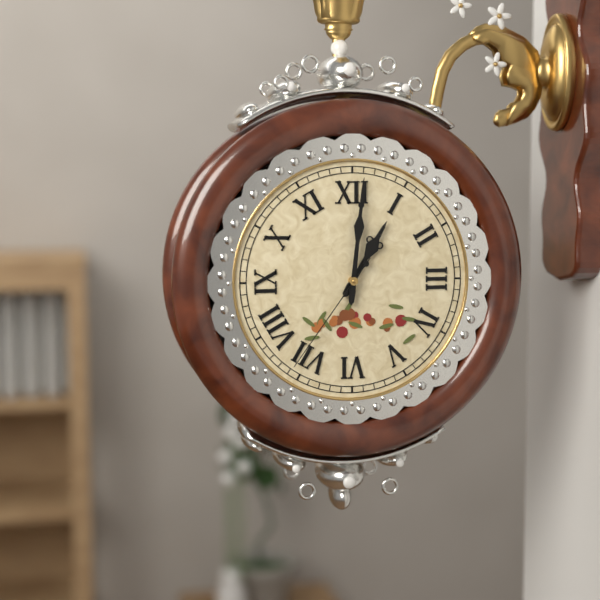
**1:01:36**
